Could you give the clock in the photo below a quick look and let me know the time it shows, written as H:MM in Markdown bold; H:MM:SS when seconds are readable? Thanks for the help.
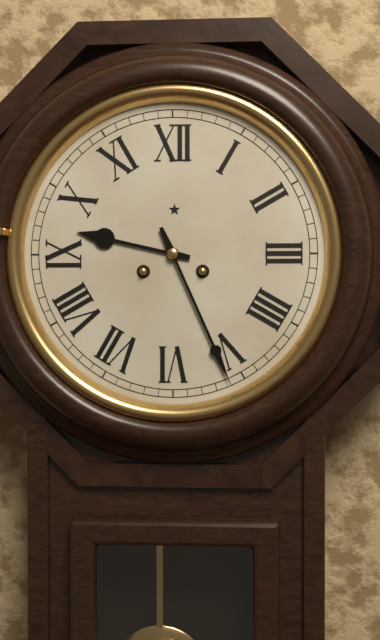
**9:26**
